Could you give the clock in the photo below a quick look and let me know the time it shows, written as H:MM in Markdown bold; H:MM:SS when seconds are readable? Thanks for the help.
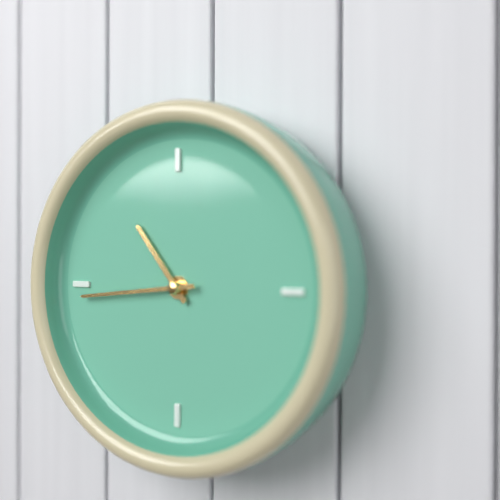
**10:44**
